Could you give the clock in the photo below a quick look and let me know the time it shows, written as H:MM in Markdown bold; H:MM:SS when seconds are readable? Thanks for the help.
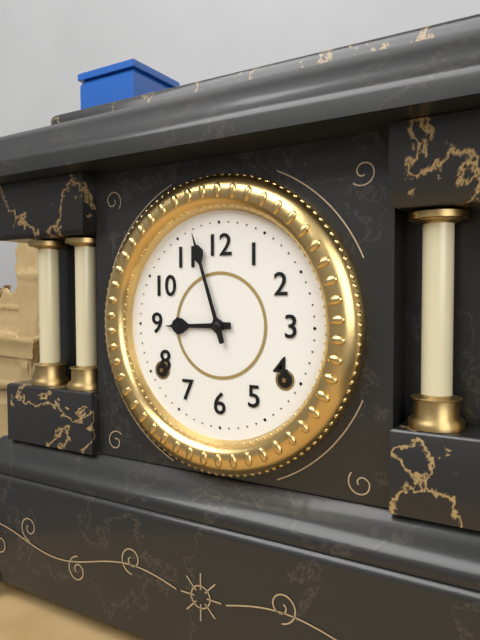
**8:57**
